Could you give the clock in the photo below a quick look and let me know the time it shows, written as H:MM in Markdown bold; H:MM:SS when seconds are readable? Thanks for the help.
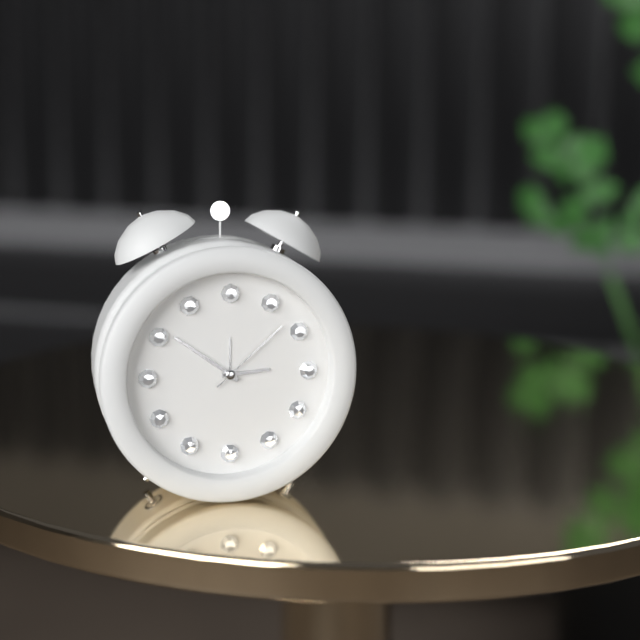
**2:51:08**
